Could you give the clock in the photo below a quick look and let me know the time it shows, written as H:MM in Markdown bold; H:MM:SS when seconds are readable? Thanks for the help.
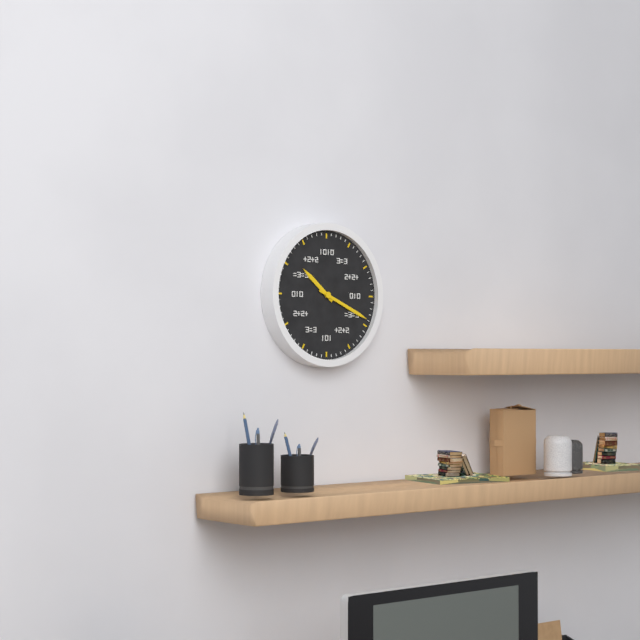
**10:19**
